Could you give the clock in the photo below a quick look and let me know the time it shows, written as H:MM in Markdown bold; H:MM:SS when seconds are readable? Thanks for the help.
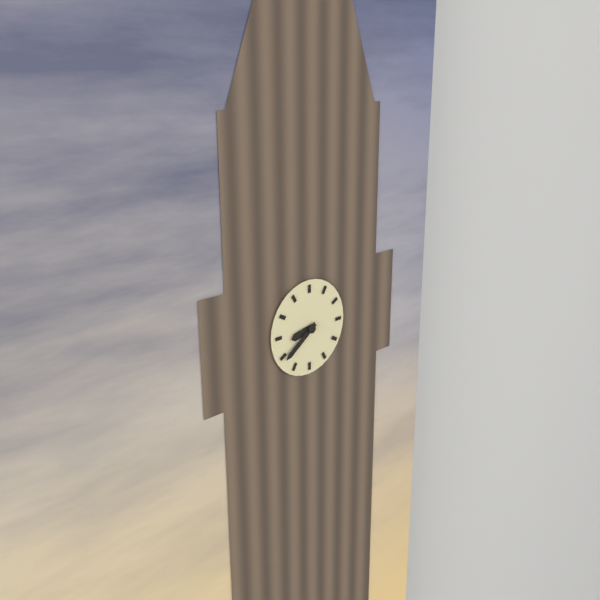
**8:39**
